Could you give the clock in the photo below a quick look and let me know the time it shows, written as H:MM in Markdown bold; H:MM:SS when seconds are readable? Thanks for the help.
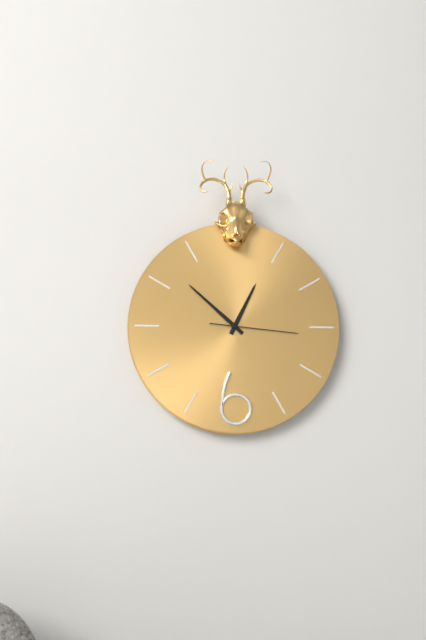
**12:52:16**
